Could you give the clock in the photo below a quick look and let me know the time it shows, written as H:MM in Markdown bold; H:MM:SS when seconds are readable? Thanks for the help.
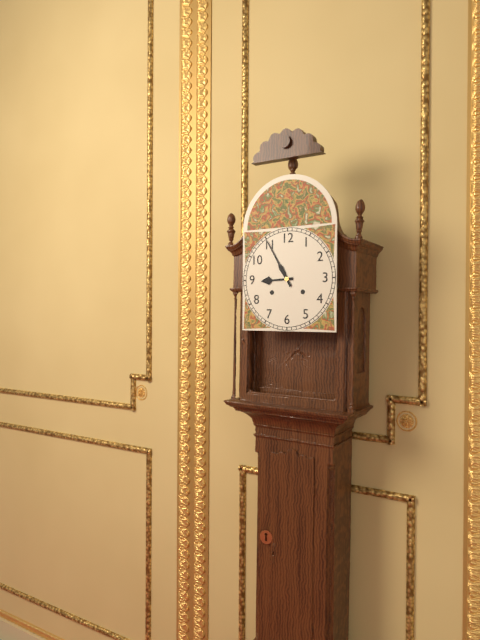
**8:55**
